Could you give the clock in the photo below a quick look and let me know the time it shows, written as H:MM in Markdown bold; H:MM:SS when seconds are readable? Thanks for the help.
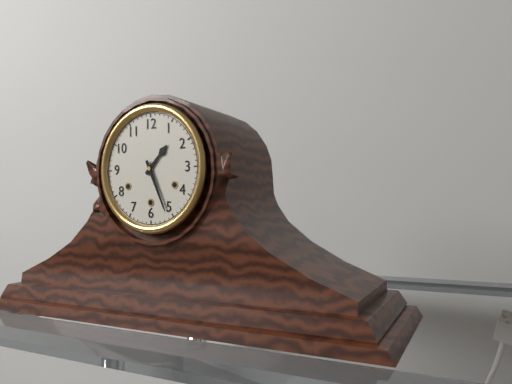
**1:26**
